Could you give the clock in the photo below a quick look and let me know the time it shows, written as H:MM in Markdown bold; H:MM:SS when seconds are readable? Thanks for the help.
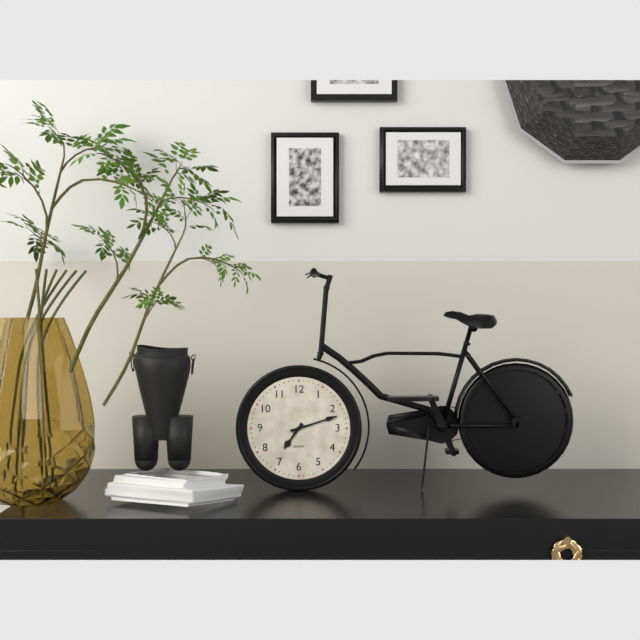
**7:12**
